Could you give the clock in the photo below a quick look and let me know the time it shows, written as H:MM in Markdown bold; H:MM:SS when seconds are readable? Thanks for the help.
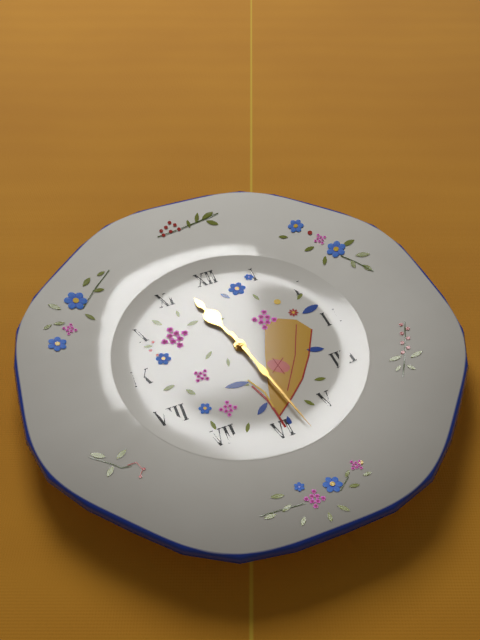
**11:28**
